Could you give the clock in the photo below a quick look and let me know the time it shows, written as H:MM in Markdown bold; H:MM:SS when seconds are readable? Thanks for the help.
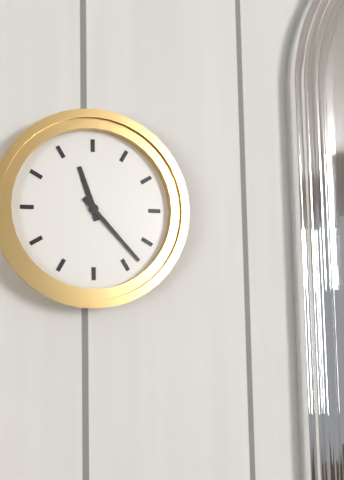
**11:23**
